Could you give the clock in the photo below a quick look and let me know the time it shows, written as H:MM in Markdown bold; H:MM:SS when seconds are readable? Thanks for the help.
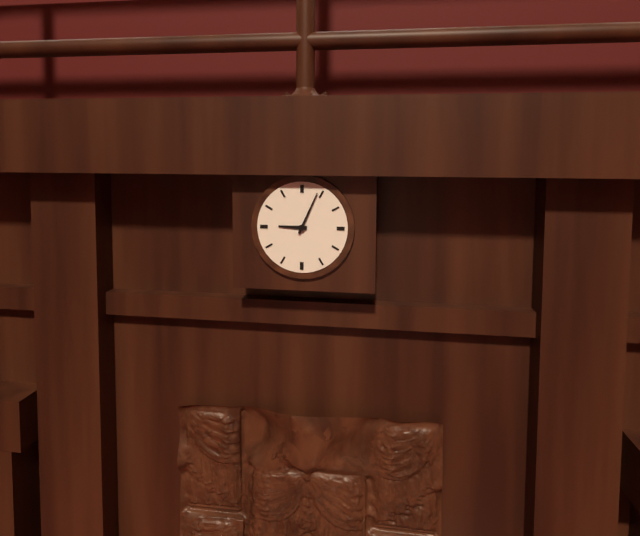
**9:04**
